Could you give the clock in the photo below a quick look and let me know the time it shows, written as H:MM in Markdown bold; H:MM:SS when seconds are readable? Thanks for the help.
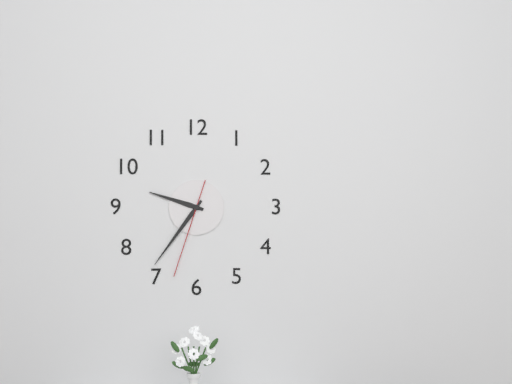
**9:36:33**
